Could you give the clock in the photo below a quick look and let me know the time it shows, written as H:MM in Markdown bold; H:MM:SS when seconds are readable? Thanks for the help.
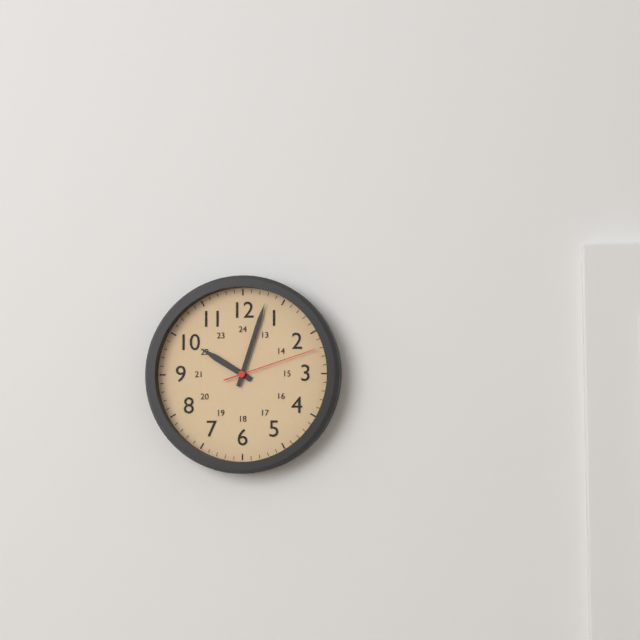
**10:03:12**
